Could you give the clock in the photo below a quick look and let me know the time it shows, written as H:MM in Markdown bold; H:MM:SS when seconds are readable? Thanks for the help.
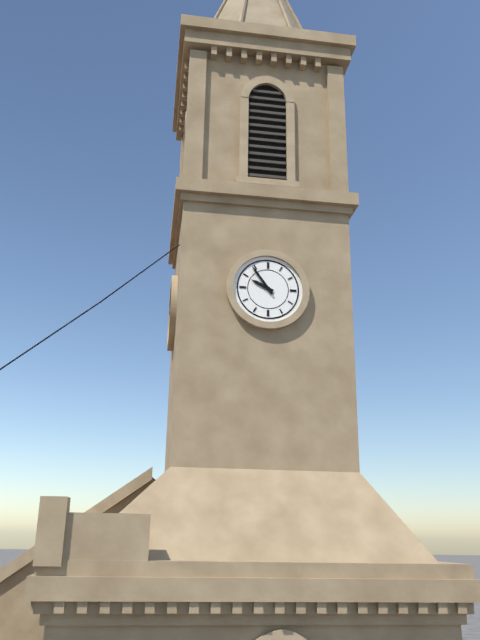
**9:54**
